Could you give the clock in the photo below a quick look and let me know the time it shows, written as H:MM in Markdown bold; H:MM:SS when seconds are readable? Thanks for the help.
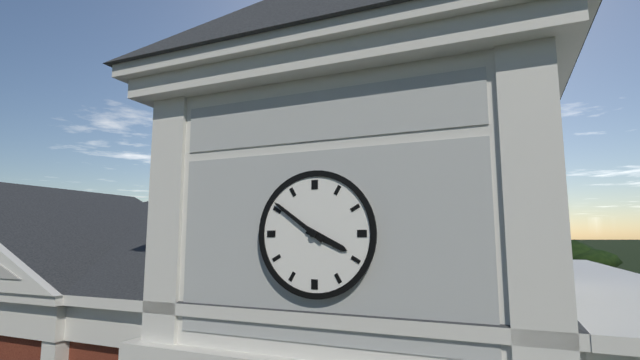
**3:51**
